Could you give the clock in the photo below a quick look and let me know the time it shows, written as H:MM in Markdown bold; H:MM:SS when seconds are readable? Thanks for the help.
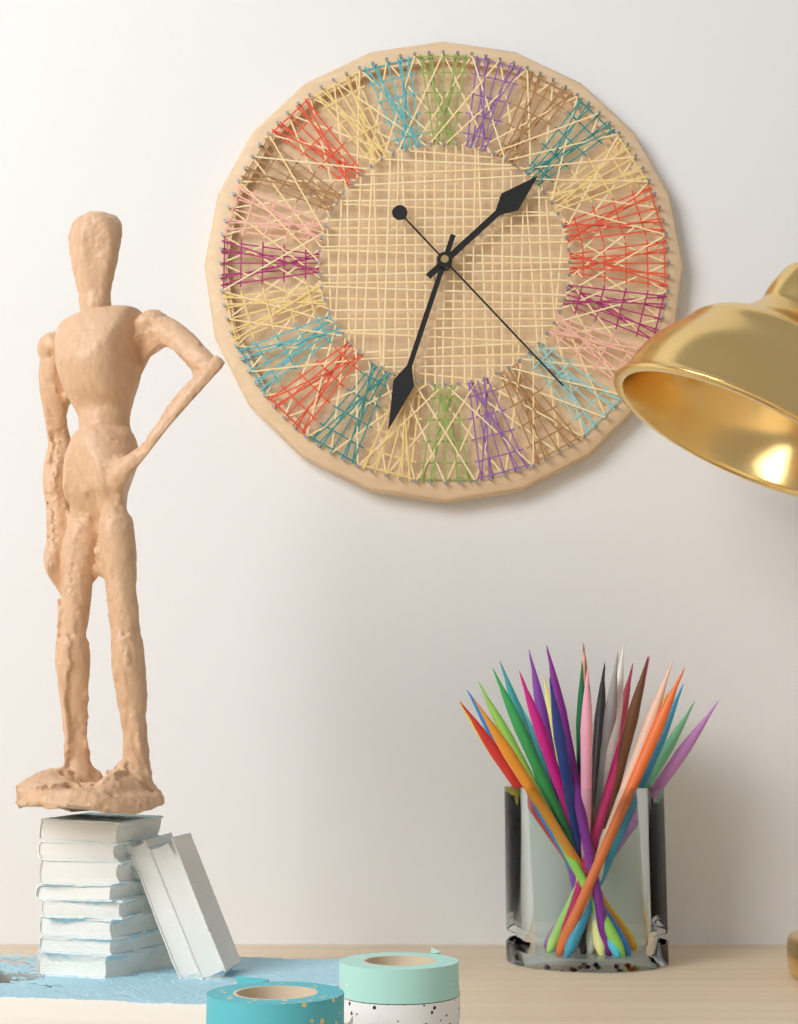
**1:33:23**
